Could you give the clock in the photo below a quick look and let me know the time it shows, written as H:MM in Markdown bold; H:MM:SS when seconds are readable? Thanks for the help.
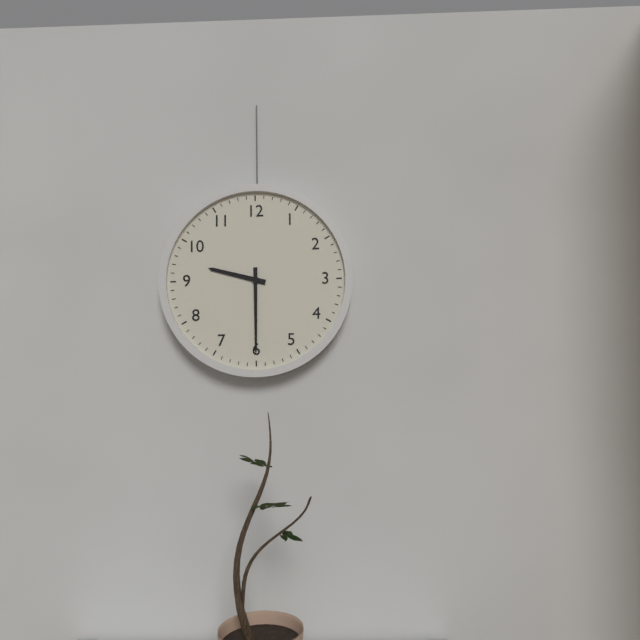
**9:30**
